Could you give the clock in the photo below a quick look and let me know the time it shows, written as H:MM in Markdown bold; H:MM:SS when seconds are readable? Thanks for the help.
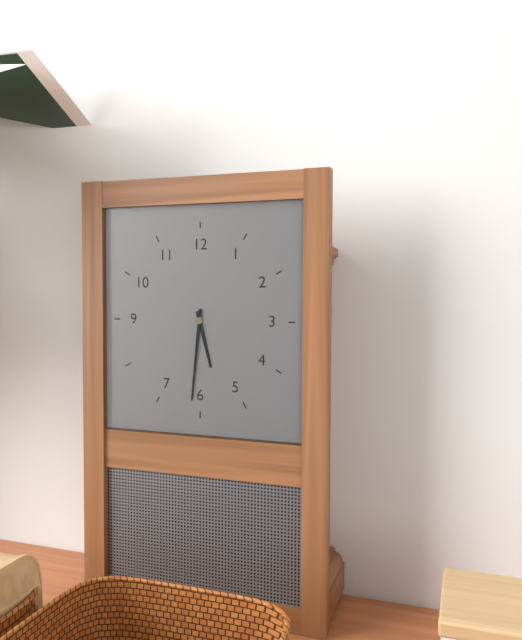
**5:31**
